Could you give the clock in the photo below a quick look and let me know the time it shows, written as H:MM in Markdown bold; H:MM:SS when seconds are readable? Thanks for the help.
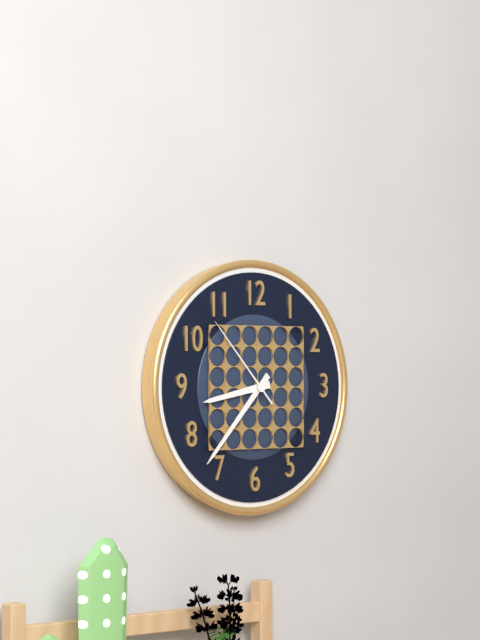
**8:37:53**
